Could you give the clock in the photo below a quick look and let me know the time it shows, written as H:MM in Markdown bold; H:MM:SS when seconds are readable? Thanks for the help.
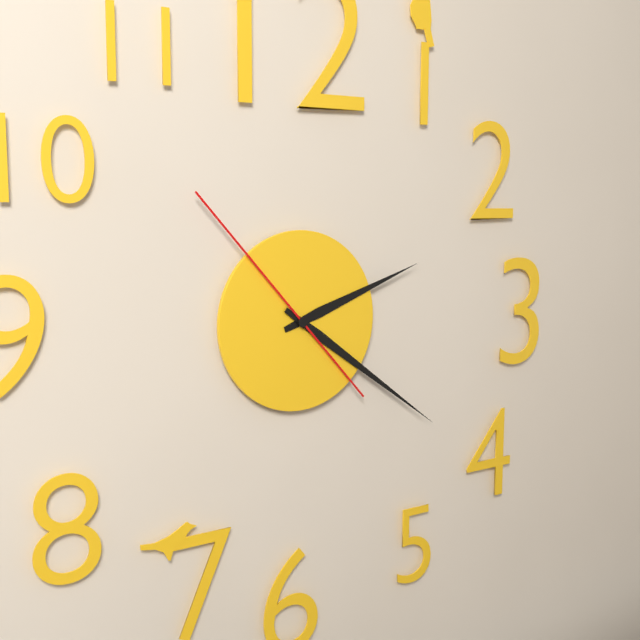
**2:21:53**
